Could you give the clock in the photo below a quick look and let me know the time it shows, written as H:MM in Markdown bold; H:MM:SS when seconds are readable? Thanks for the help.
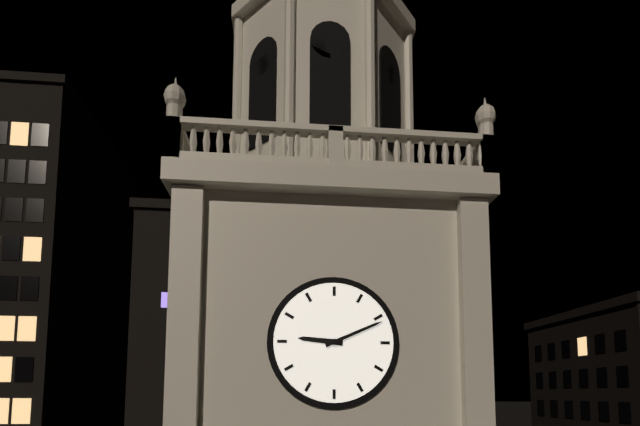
**9:11**
